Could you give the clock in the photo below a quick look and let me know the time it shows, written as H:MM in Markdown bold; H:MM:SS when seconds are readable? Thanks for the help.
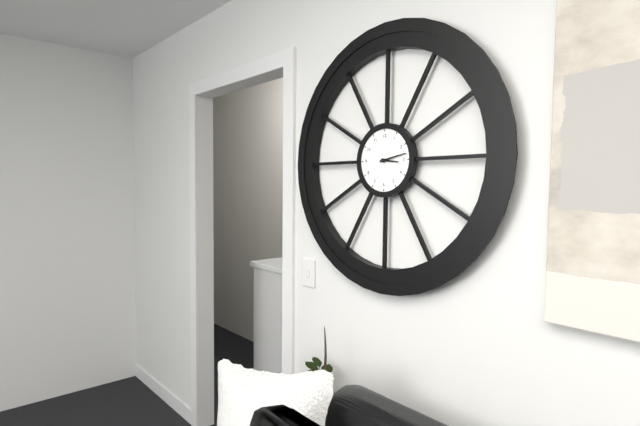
**3:13**
